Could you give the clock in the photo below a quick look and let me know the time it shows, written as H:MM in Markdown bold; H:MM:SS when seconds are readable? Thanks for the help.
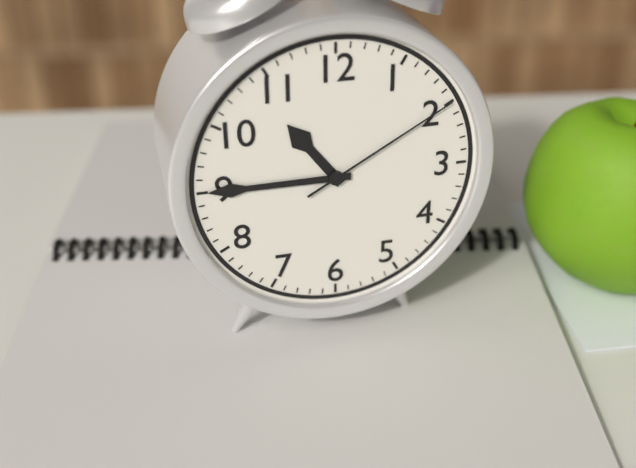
**10:45:10**
